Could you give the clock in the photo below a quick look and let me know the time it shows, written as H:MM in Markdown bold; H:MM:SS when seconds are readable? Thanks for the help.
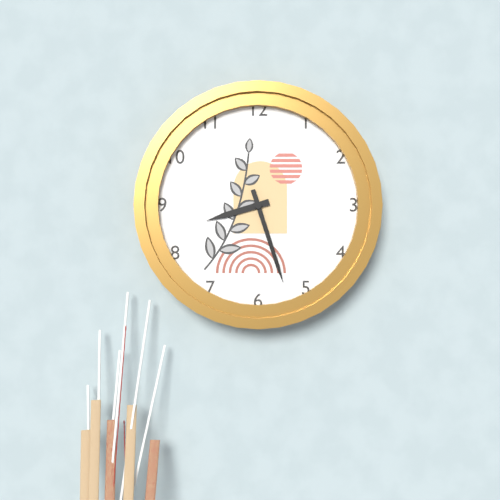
**8:27**
